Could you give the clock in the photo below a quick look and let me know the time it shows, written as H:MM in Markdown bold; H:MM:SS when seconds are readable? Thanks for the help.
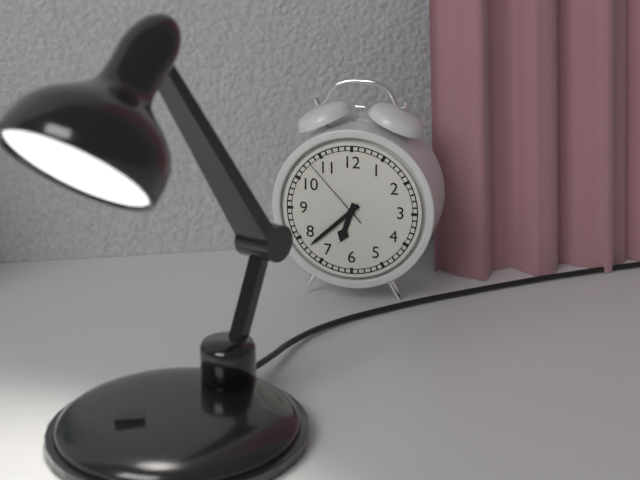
**6:38:53**
